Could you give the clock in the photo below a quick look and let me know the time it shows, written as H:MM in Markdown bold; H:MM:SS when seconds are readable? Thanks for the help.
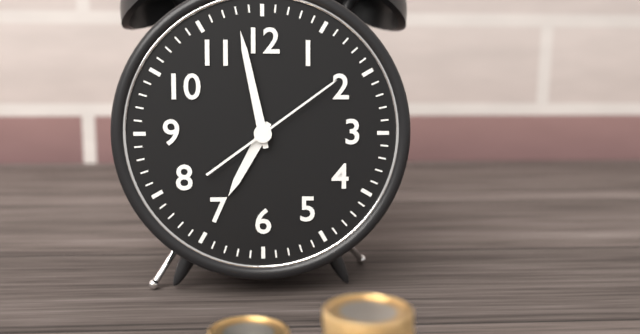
**6:58:09**
